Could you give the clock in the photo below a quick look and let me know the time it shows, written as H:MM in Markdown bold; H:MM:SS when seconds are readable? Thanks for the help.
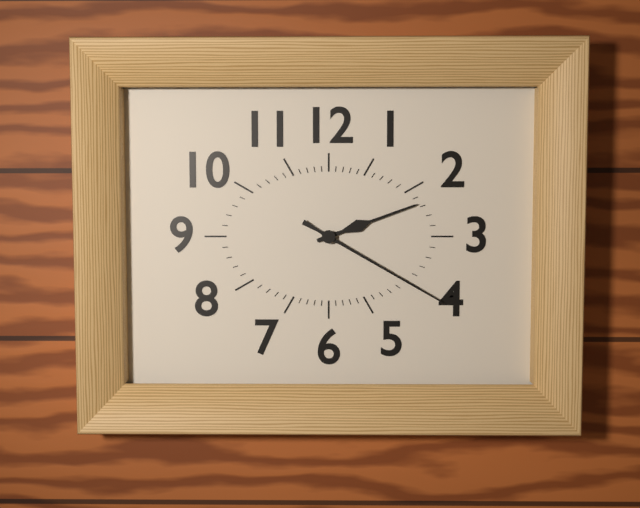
**2:20**
